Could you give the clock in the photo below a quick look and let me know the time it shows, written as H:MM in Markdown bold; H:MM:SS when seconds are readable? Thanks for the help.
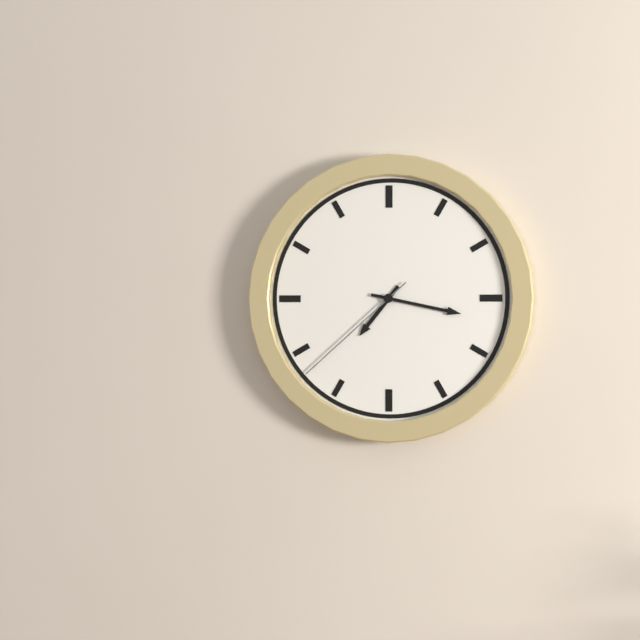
**7:17:38**
